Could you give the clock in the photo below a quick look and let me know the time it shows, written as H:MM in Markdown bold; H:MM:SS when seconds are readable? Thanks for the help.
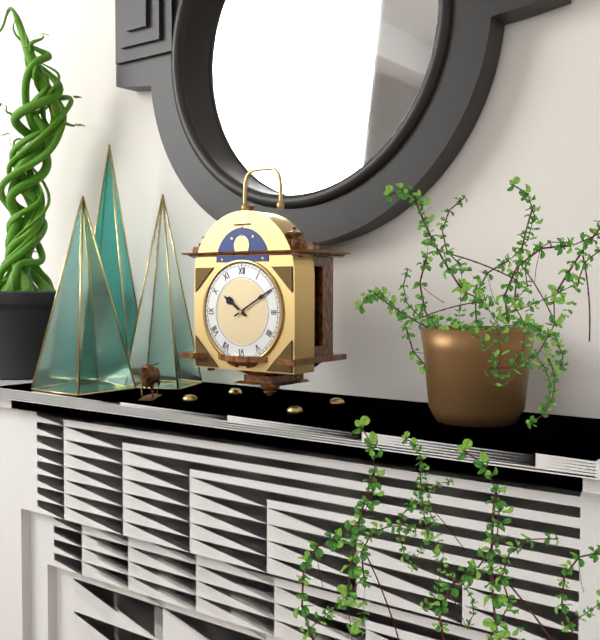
**10:10**
